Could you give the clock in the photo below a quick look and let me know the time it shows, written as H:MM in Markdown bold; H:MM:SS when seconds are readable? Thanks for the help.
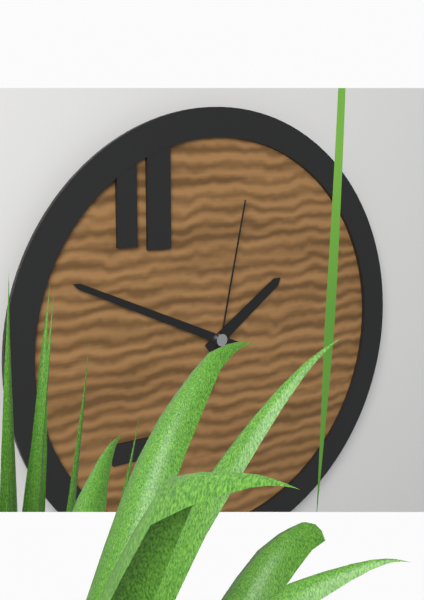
**1:49:02**
